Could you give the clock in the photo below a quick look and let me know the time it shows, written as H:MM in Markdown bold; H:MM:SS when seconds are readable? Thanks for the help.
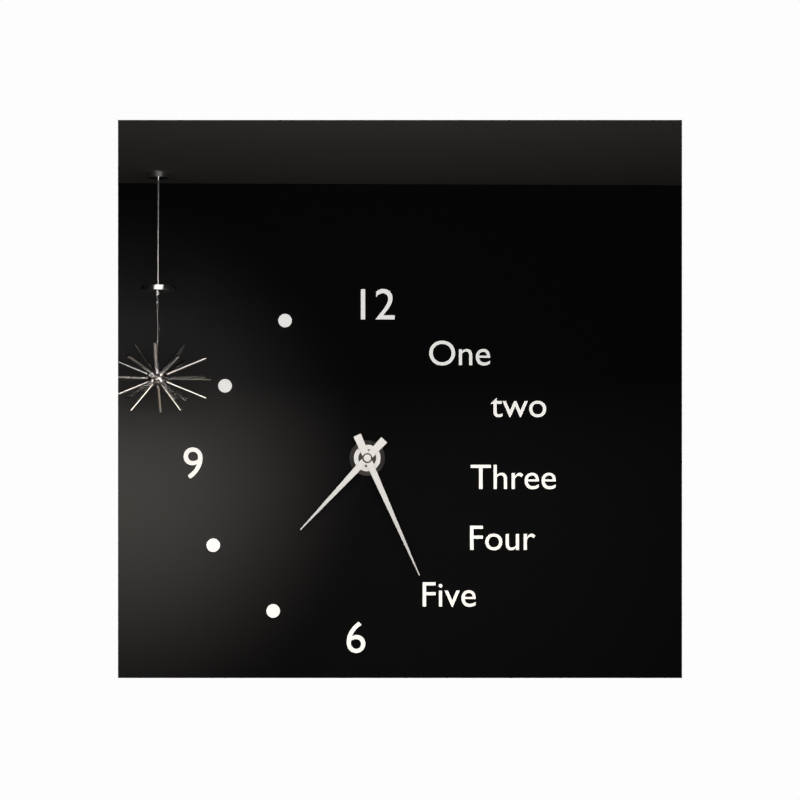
**7:26**
